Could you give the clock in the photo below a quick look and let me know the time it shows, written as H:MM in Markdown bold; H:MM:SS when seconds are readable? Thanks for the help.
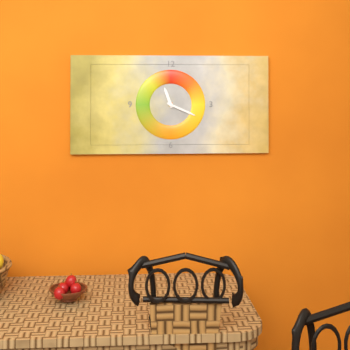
**11:19**
